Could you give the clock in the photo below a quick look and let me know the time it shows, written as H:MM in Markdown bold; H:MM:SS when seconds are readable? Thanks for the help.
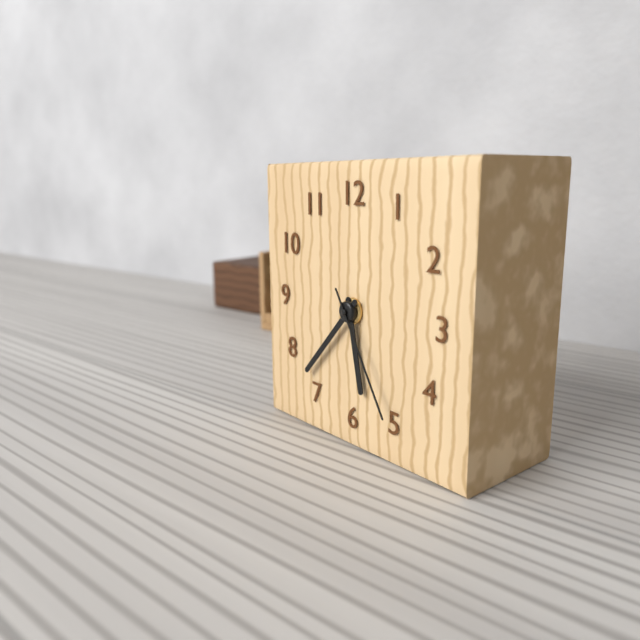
**5:37:25**
